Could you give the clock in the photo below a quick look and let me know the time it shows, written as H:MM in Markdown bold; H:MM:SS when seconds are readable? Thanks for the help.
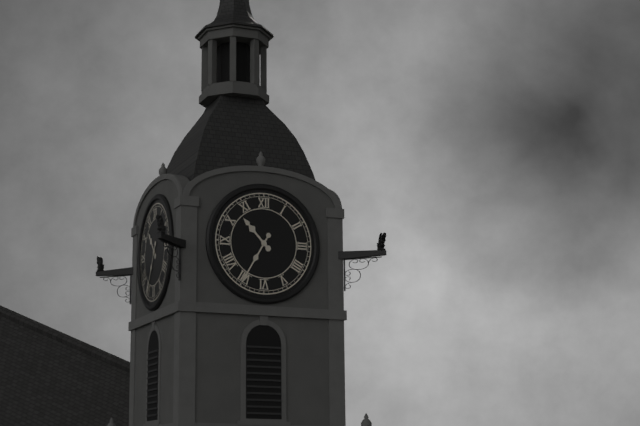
**10:35**
